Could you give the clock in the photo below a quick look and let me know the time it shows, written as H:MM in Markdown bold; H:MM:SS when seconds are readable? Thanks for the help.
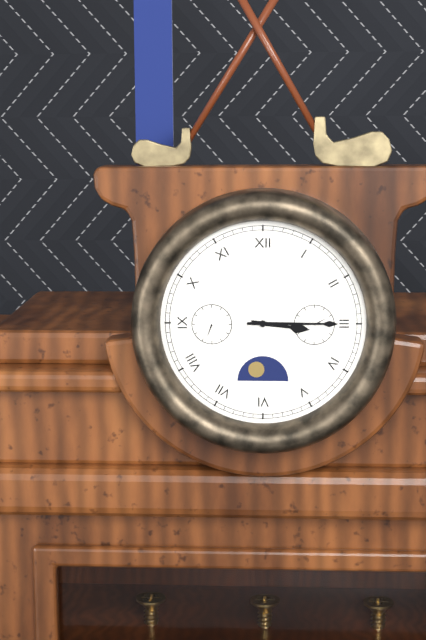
**3:15**
